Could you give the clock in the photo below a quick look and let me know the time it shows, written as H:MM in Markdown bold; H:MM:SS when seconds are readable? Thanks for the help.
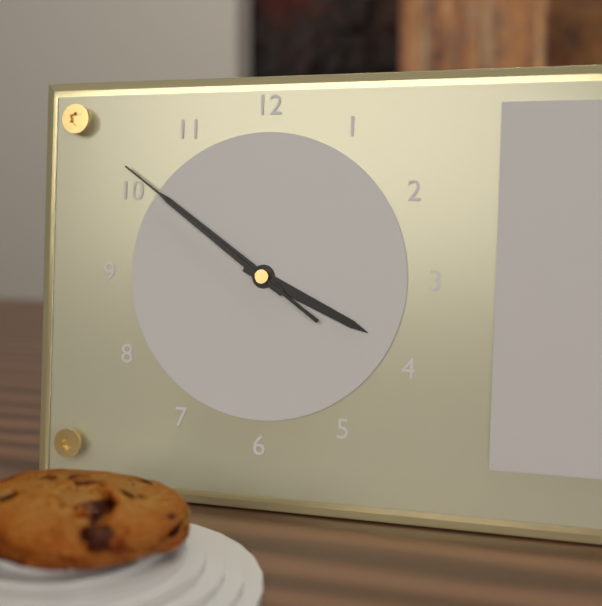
**3:51:51**
